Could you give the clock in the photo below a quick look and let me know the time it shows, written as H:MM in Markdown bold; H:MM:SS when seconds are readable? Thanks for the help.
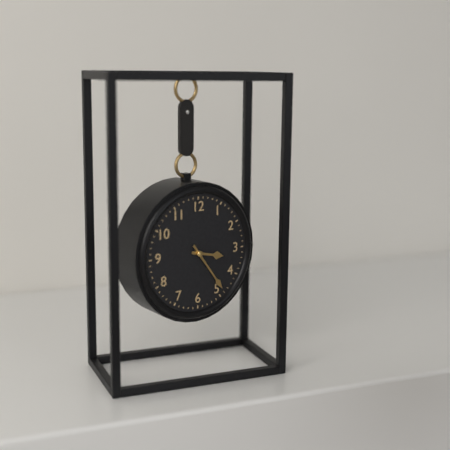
**3:24**
